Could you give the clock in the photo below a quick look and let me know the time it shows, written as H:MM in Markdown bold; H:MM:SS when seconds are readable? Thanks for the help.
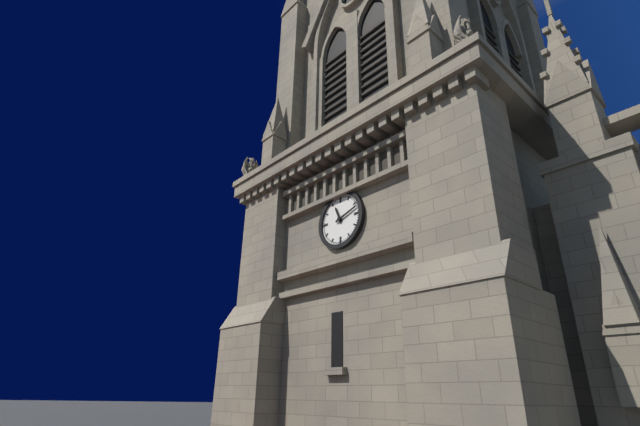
**11:12**
